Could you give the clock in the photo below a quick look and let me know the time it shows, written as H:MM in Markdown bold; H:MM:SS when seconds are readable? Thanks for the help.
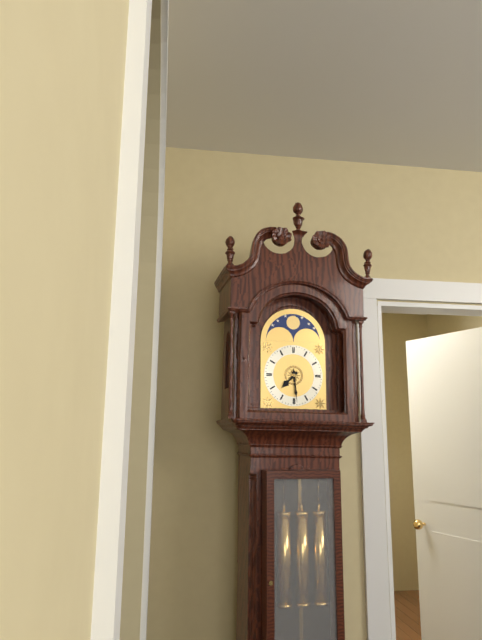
**7:29**
